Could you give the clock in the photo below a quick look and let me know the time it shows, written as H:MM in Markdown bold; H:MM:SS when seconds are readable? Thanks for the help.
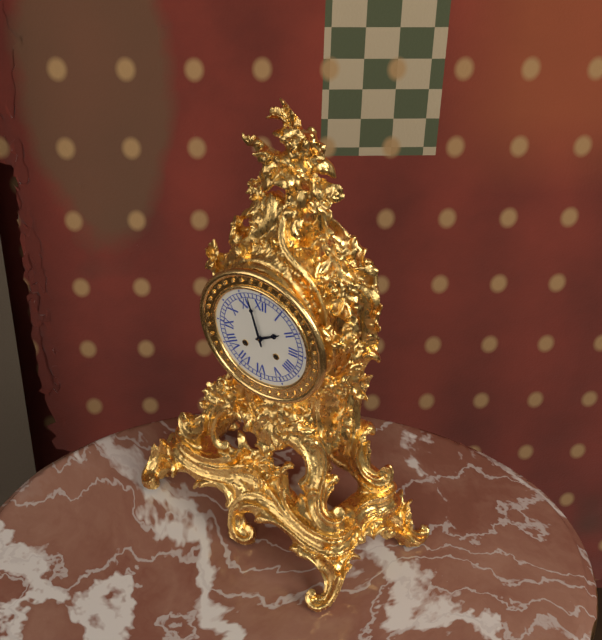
**1:57**
